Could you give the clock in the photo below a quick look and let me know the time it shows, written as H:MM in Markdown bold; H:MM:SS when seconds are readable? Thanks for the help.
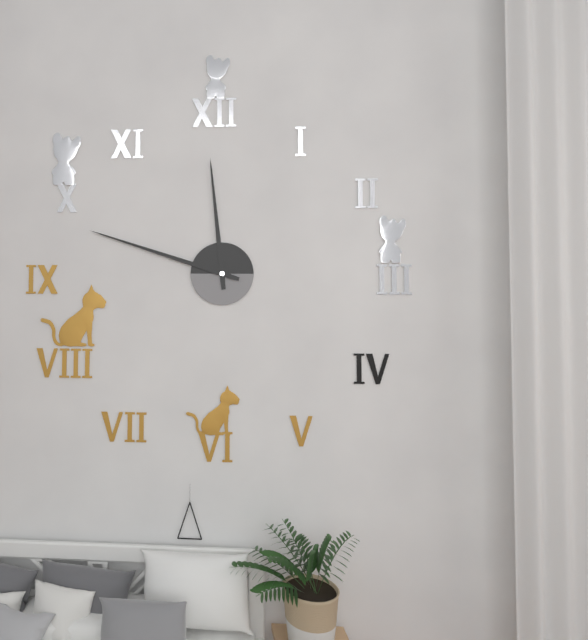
**11:48**
